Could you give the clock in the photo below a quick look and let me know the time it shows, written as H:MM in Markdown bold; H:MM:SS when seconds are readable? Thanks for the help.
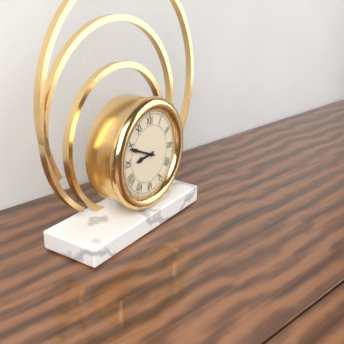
**8:49**
